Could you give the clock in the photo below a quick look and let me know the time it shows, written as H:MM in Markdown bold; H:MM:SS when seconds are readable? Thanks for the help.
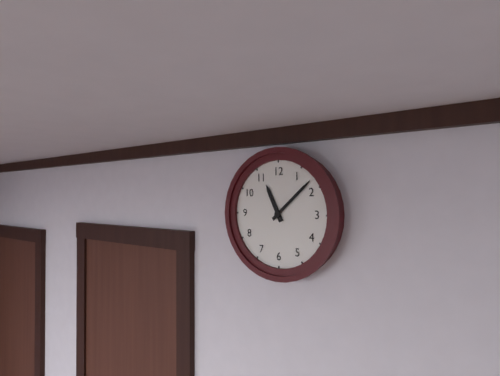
**11:08**
